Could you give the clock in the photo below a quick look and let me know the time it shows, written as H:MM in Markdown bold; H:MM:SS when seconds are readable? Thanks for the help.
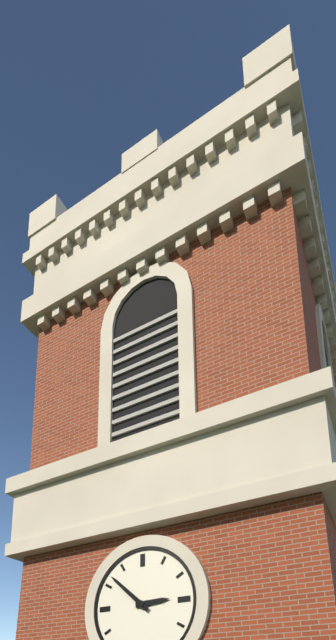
**2:52**
